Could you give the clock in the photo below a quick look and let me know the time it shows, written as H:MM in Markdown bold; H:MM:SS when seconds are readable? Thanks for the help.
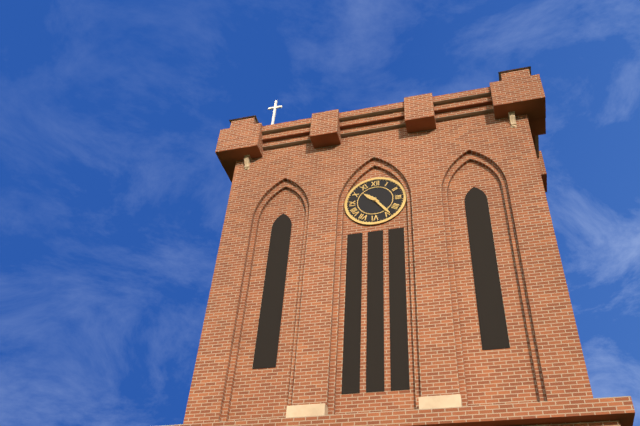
**10:24**
